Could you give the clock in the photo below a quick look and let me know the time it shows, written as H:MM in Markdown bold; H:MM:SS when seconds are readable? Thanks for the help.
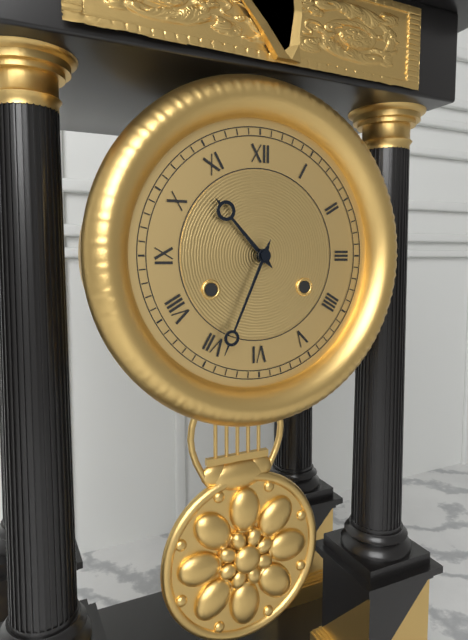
**10:34**
